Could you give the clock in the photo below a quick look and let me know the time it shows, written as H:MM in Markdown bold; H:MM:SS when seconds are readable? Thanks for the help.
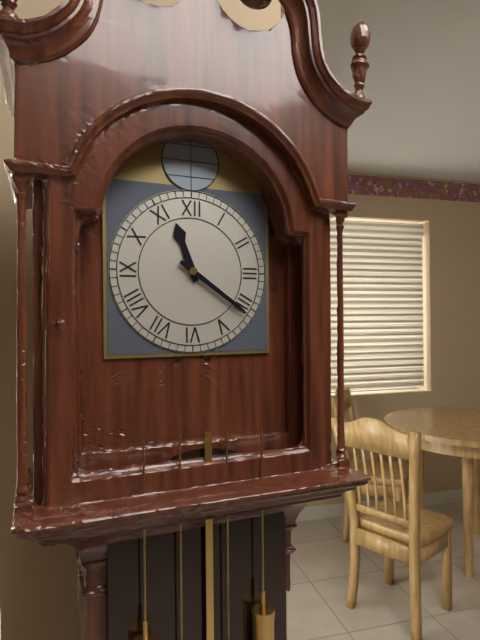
**11:21**
